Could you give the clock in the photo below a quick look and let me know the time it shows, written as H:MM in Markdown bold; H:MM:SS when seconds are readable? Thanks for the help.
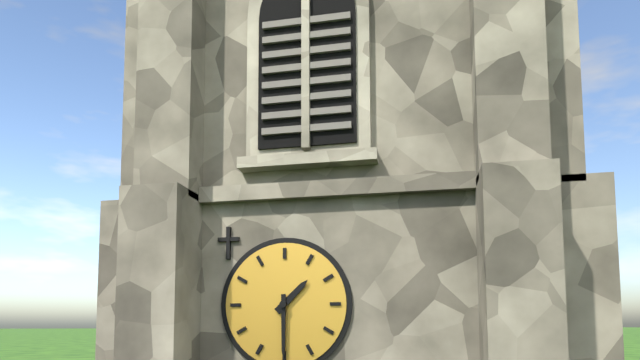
**1:30**
